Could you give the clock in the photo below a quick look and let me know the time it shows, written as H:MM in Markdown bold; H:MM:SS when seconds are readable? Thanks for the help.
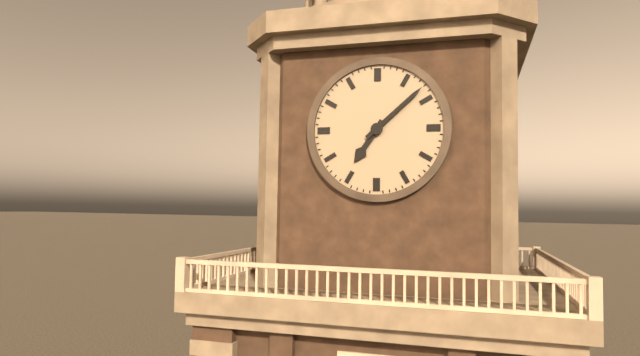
**7:08**
